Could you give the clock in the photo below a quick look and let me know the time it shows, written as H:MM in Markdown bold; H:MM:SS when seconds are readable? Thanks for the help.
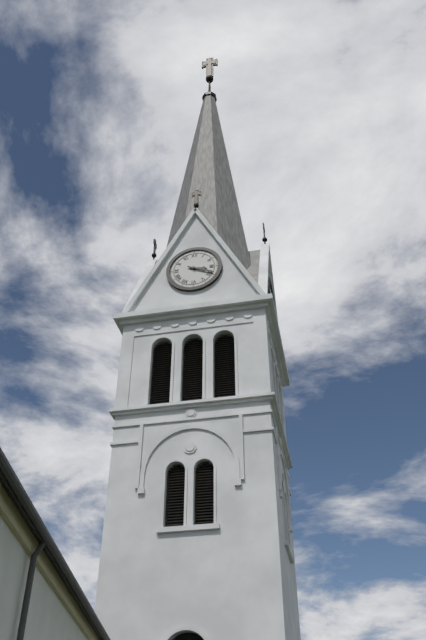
**3:19**
